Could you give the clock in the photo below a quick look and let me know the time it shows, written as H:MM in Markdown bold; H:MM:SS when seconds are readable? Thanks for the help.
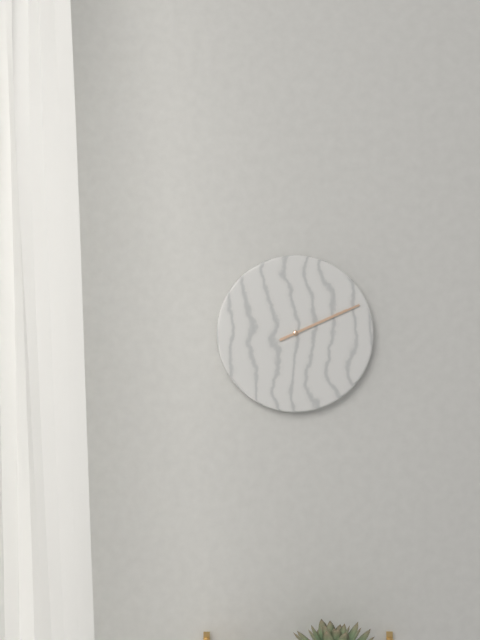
**2:11**
